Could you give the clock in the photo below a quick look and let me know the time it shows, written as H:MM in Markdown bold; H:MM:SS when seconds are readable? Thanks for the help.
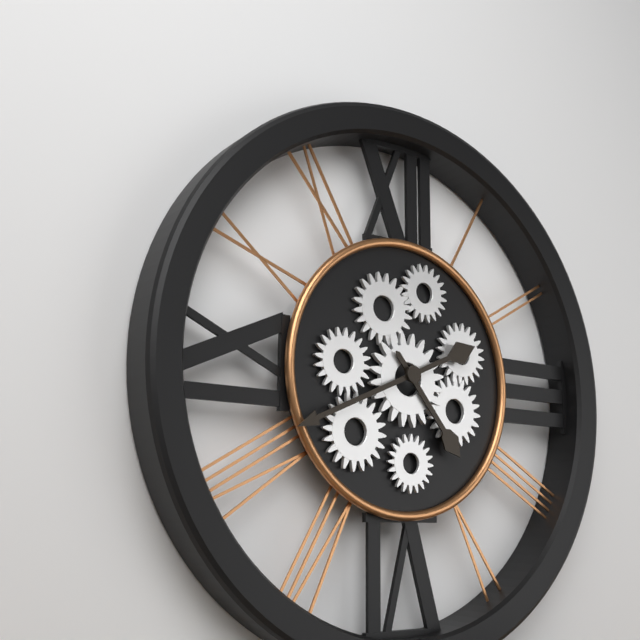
**4:41**
